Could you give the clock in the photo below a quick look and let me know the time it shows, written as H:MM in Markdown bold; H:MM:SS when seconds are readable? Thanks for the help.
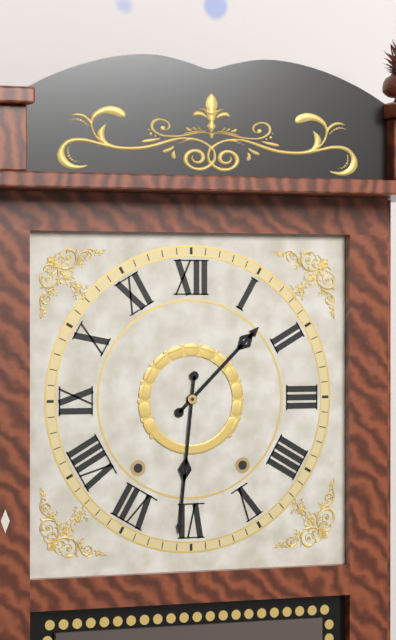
**1:31**
